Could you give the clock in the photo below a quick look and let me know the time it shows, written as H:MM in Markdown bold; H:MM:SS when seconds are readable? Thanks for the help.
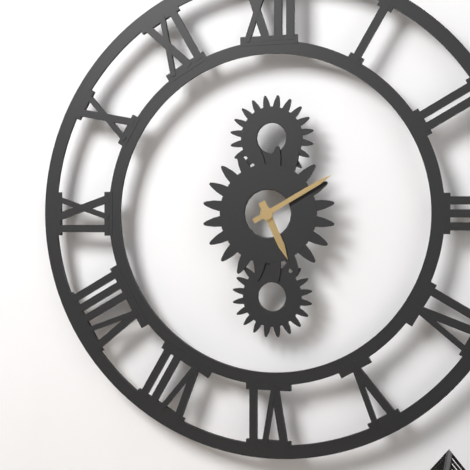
**5:10**
